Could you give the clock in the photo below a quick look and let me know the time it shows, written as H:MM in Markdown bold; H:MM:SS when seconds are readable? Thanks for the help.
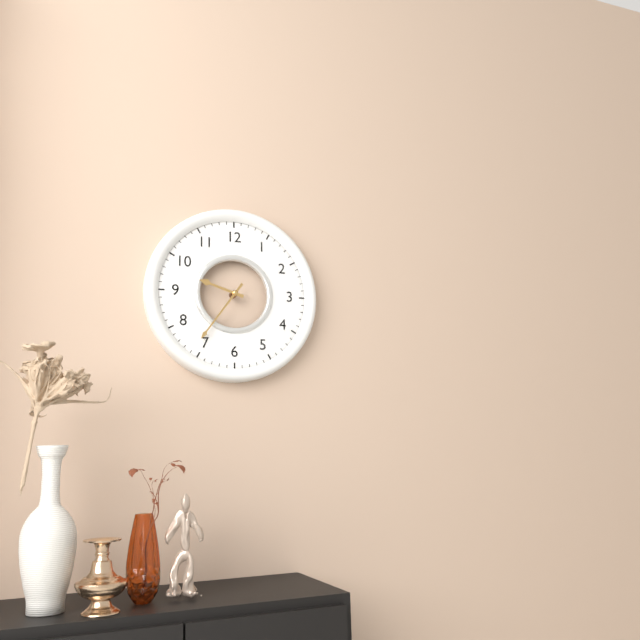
**9:36**
